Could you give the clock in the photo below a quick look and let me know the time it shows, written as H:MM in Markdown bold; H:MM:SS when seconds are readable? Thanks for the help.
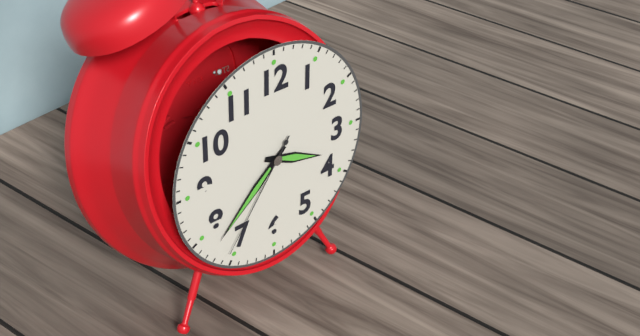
**3:38:36**
